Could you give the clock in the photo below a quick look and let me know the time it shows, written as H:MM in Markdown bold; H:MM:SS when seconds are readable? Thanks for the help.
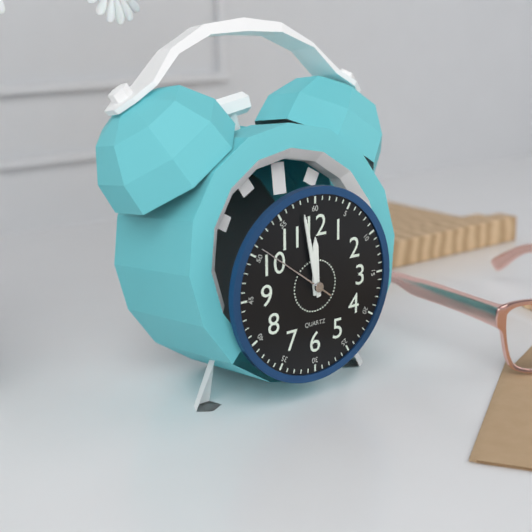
**11:58:51**
